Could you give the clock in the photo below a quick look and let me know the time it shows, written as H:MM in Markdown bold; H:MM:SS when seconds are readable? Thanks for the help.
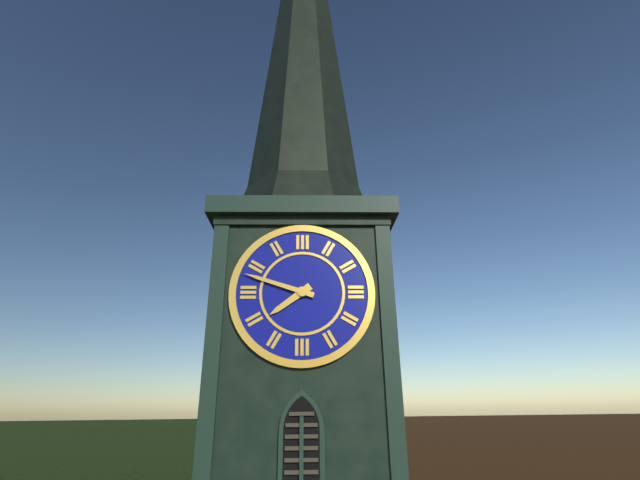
**7:48**
